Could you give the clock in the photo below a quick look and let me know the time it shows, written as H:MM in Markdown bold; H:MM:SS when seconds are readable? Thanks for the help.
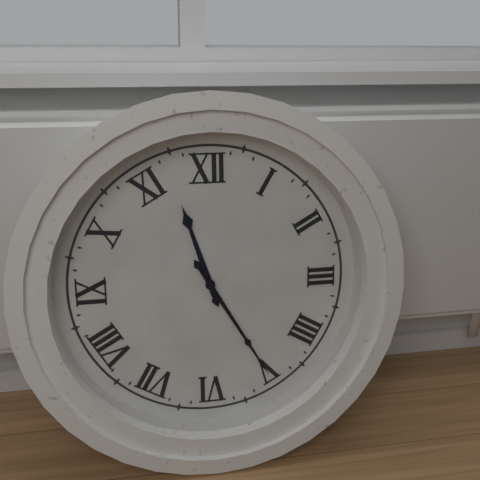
**11:25**
